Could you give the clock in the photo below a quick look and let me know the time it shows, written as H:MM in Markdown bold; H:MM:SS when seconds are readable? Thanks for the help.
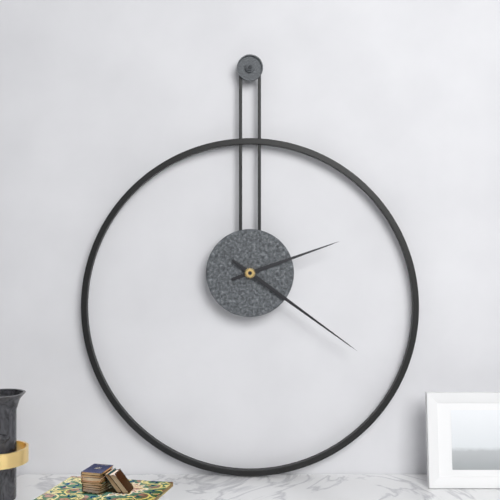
**2:21**
